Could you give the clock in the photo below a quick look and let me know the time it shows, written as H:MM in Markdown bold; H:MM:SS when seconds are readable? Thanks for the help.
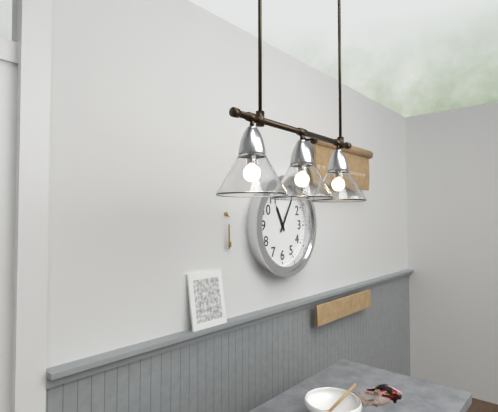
**11:05**
